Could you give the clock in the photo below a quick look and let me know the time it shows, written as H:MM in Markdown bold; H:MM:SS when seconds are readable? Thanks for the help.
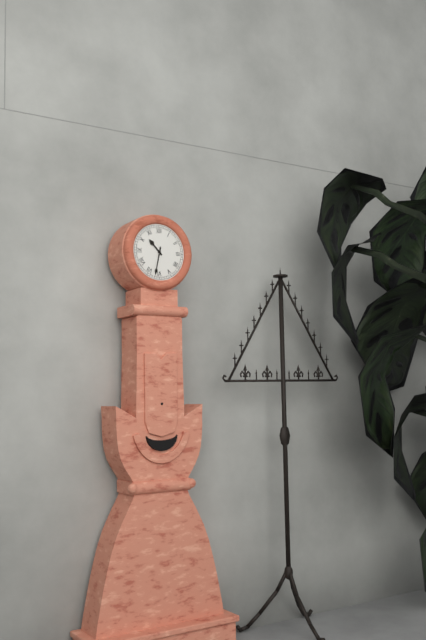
**10:32**
